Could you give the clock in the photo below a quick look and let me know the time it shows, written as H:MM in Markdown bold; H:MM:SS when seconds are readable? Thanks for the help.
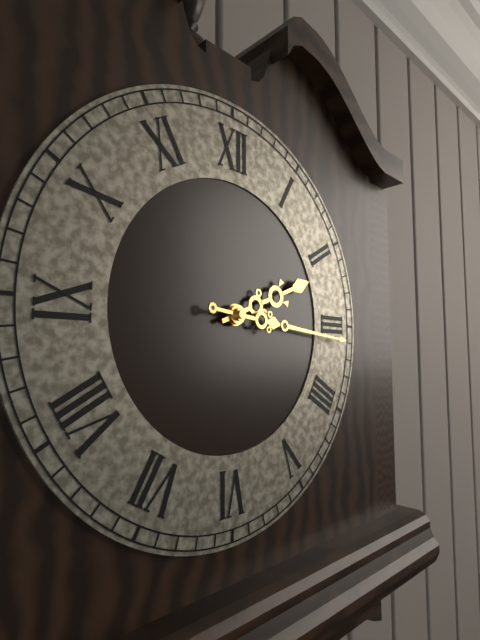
**2:16**
